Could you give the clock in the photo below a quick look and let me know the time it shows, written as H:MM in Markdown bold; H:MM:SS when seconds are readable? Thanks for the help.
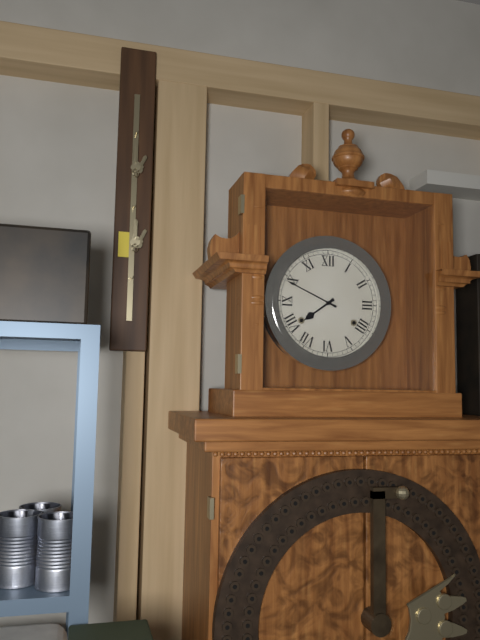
**7:49**
